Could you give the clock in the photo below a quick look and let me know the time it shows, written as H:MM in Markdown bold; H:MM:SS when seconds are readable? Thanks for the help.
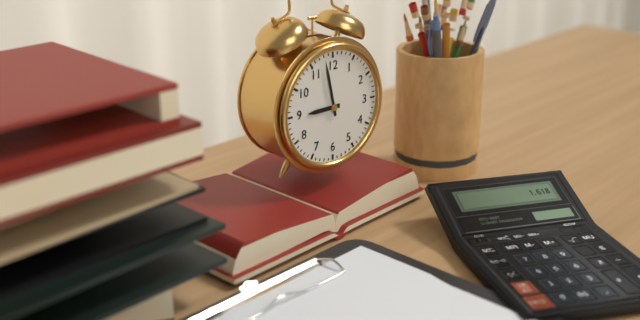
**8:58**
